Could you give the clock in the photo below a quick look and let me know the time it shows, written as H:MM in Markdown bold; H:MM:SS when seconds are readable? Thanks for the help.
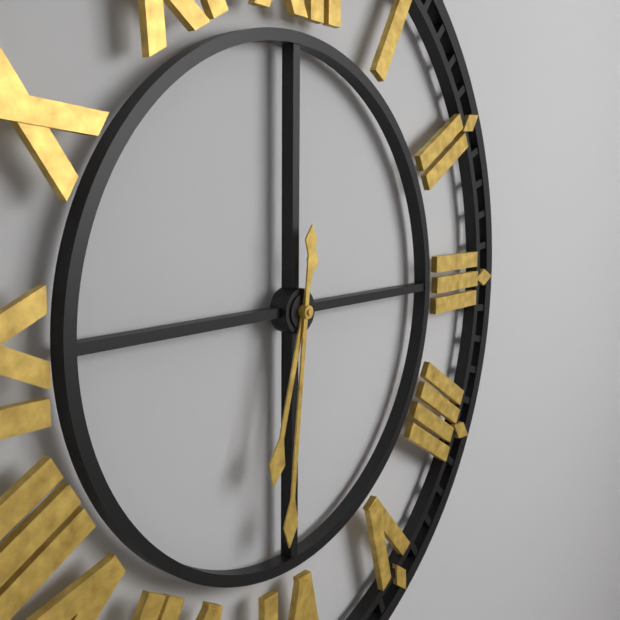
**6:31**
